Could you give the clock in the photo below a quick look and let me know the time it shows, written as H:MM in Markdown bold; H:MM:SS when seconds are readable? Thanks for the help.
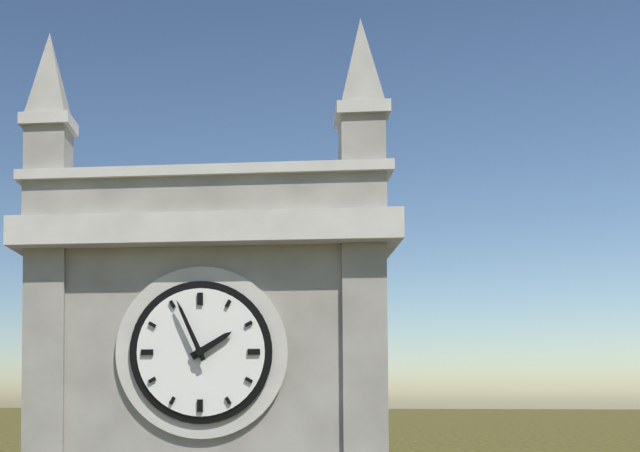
**1:56**
